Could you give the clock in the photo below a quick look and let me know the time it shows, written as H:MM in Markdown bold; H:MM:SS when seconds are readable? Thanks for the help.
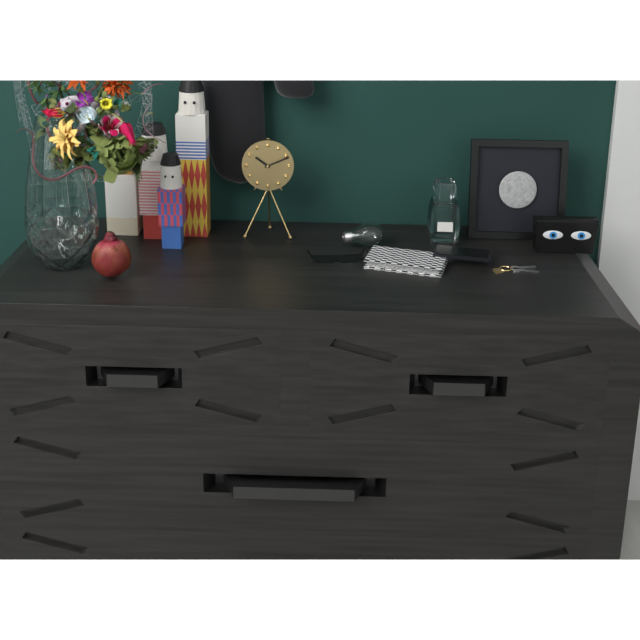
**10:11**
